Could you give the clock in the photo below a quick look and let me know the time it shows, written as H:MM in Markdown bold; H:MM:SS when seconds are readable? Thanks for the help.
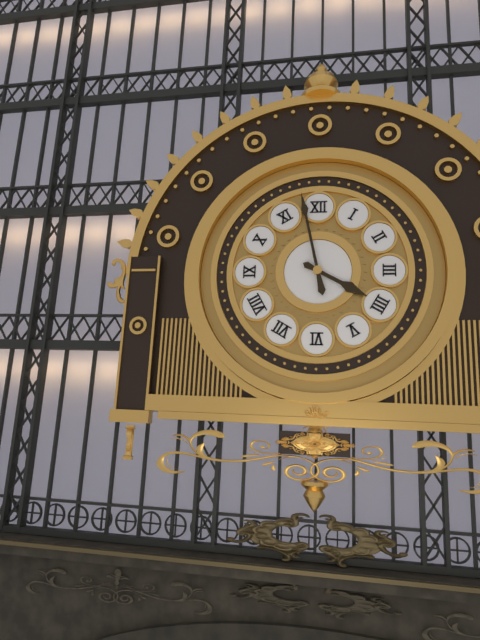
**3:58**
